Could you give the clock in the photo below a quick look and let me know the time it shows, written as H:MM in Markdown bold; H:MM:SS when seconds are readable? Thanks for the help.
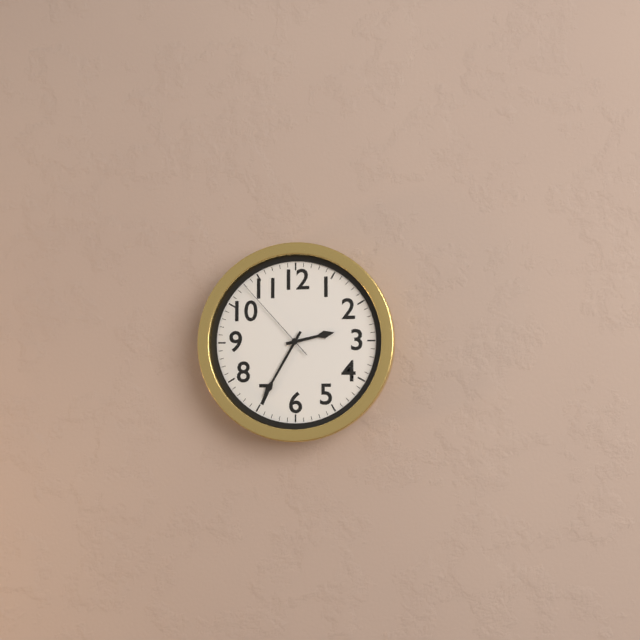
**2:35:53**
